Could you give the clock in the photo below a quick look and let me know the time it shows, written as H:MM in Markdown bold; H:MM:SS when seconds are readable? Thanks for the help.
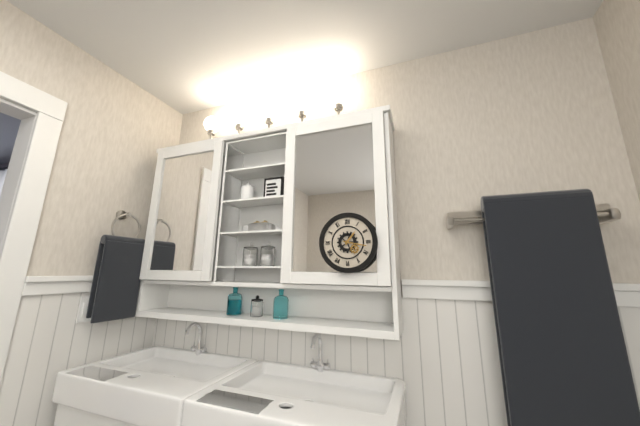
**1:17**
